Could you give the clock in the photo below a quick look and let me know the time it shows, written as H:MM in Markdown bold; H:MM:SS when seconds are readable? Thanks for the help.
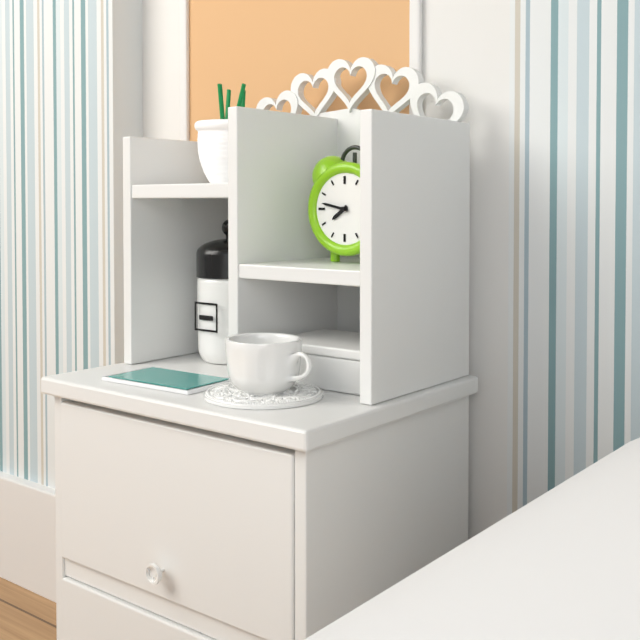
**7:47**
